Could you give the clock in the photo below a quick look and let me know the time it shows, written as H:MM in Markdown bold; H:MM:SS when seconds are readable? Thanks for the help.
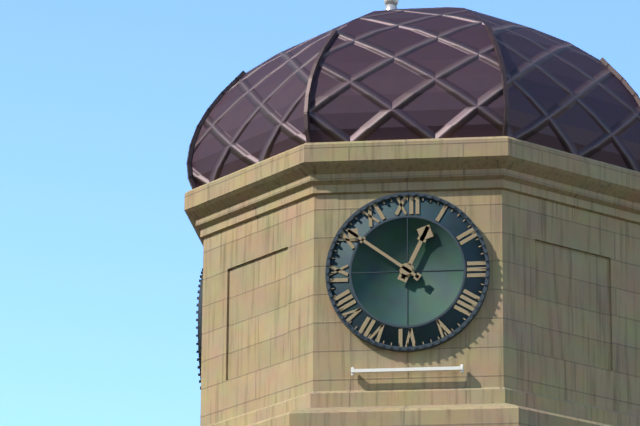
**12:51**
